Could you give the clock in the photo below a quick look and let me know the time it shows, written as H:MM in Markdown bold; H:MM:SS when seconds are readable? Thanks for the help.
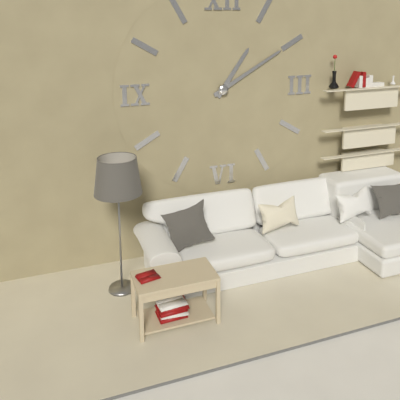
**1:10**
